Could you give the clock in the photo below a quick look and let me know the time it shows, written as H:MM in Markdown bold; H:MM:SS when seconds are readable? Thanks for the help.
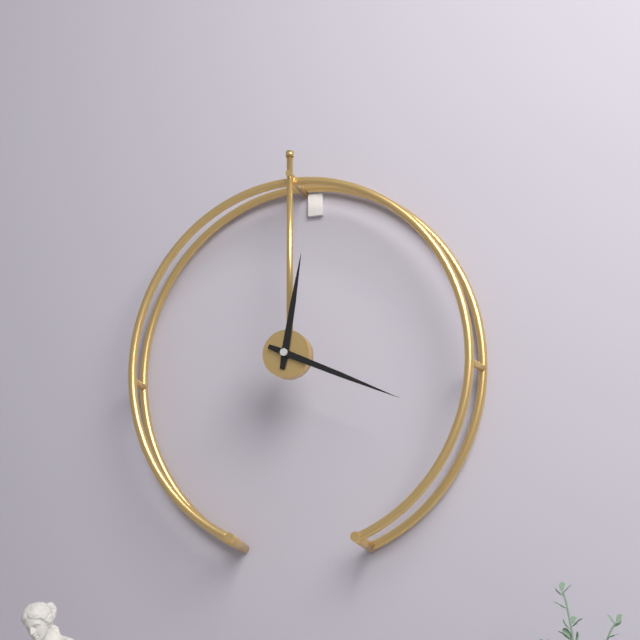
**12:19**
